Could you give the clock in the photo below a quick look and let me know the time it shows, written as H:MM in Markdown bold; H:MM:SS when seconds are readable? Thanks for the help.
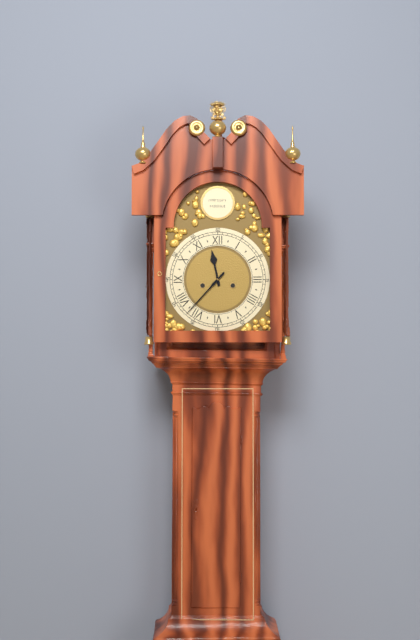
**11:37**
